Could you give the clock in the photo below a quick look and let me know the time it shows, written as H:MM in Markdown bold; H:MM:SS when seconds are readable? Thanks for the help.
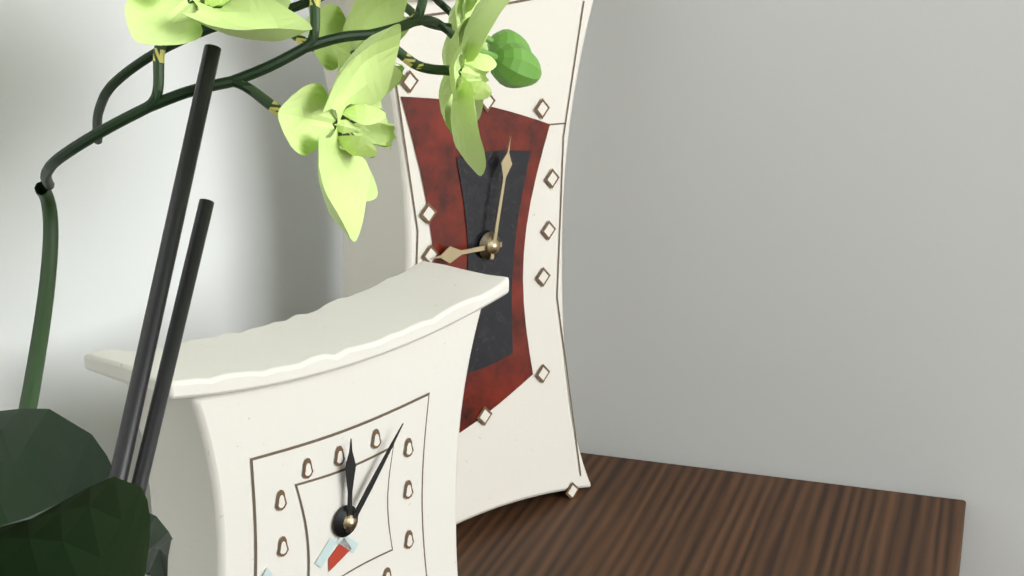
**9:02**
